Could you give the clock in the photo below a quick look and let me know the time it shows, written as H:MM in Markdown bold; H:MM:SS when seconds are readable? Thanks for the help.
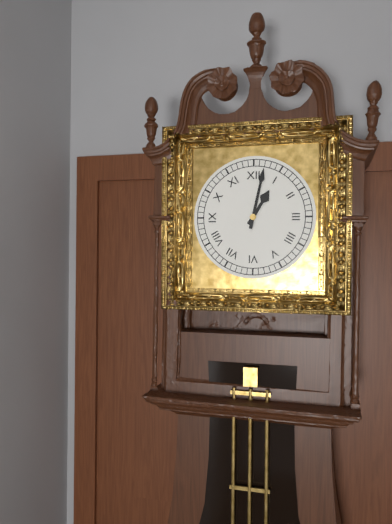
**1:02**
